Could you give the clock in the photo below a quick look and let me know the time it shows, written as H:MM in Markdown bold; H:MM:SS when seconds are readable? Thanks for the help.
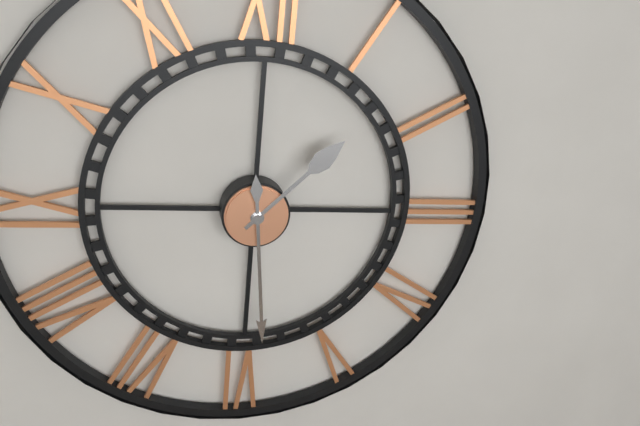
**1:29**
